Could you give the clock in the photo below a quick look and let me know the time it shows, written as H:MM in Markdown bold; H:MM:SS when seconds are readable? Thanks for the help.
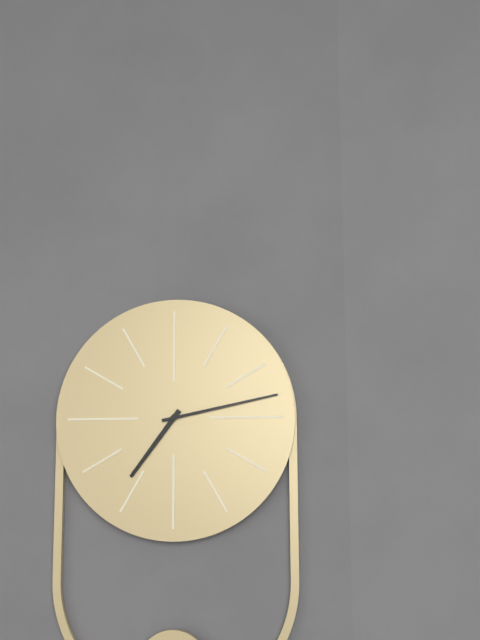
**7:13**
